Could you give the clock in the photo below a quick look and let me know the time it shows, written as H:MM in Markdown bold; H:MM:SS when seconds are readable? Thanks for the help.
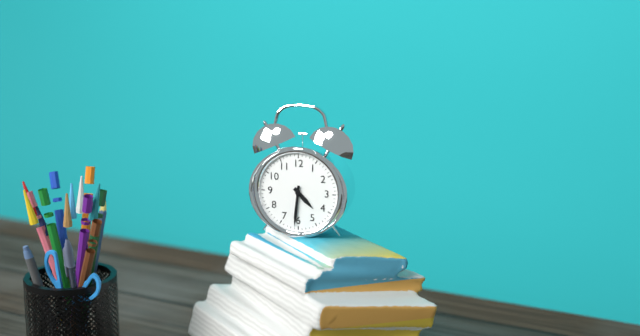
**4:31**
